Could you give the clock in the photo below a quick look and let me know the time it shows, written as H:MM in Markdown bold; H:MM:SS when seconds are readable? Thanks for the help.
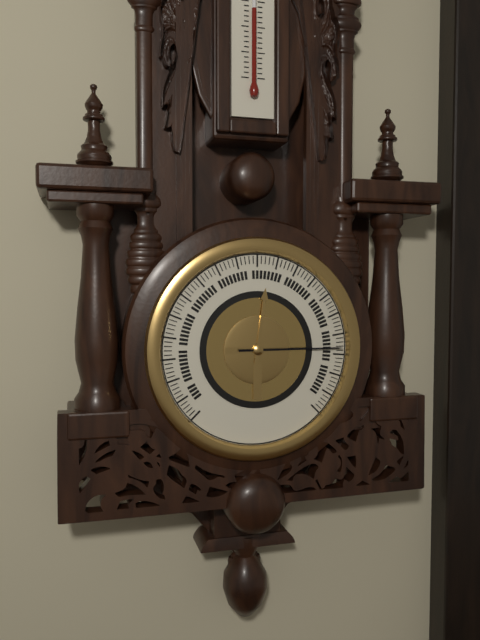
**12:15**
